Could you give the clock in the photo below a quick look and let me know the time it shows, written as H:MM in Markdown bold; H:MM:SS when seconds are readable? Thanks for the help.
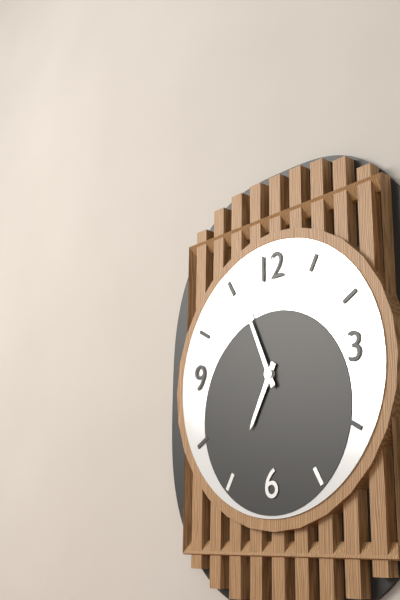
**6:56**
